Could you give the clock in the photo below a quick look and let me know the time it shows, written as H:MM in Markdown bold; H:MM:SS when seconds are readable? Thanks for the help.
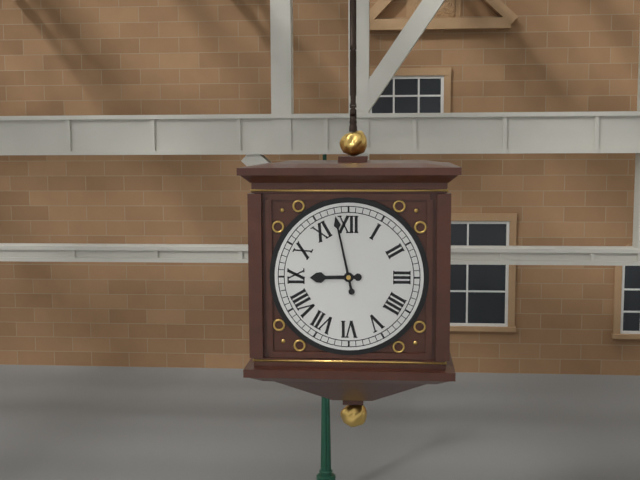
**8:58**
